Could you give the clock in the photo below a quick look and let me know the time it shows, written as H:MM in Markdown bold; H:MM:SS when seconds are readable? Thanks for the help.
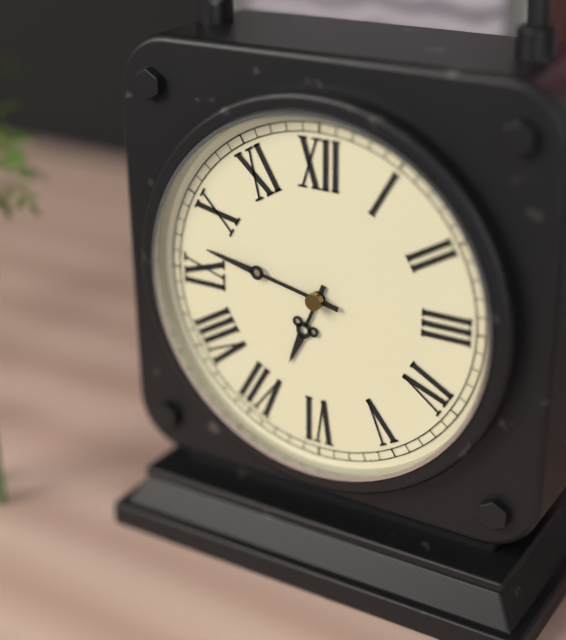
**6:47**
